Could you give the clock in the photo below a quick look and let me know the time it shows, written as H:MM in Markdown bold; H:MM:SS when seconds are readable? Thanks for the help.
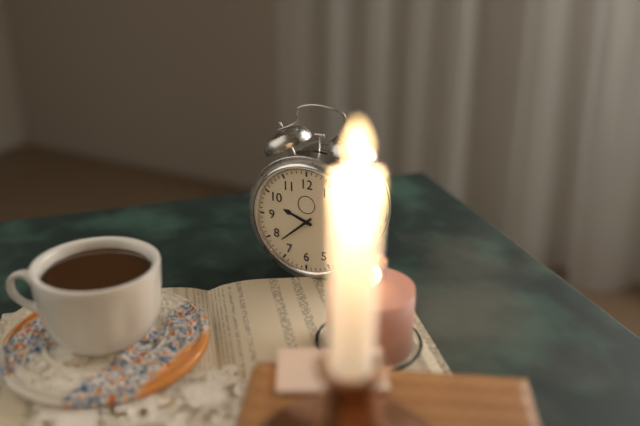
**9:38**
